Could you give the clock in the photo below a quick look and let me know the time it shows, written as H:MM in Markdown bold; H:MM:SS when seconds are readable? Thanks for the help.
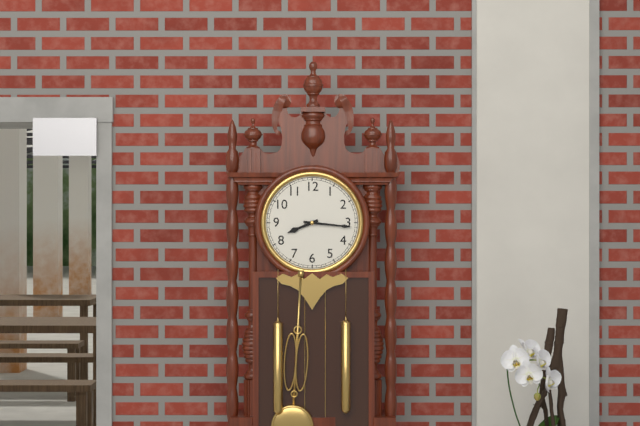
**8:16**
